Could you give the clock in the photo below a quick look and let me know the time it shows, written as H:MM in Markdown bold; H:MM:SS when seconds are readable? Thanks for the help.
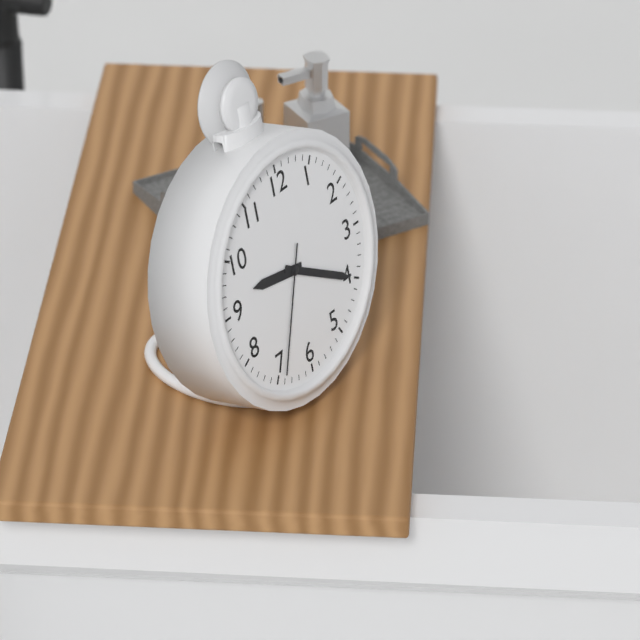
**9:20:34**
